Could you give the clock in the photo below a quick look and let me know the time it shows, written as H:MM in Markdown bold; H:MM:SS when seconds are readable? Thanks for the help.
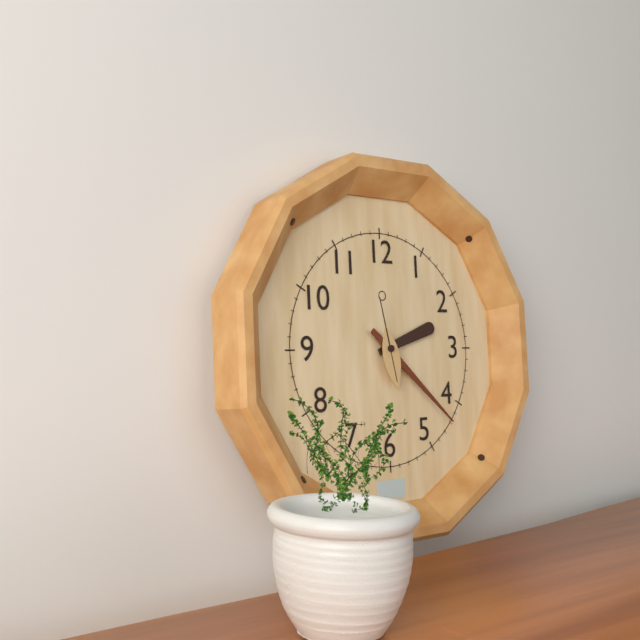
**2:22:58**
